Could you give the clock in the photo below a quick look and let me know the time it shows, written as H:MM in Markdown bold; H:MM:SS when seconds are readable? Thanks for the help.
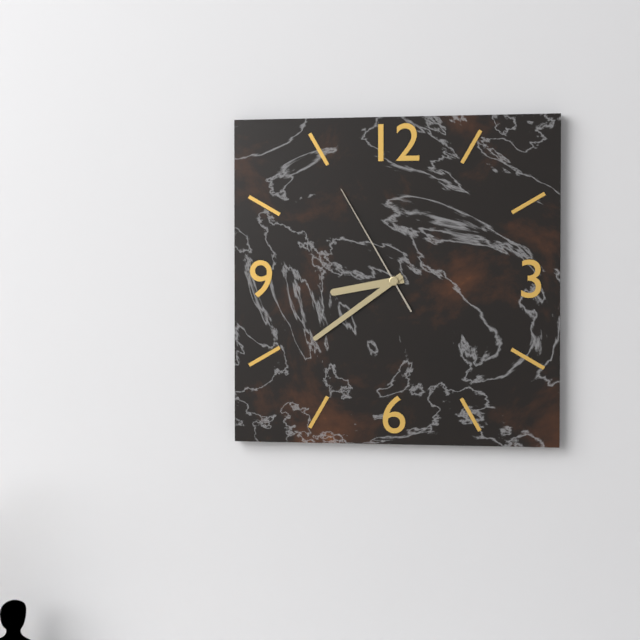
**8:39:55**
